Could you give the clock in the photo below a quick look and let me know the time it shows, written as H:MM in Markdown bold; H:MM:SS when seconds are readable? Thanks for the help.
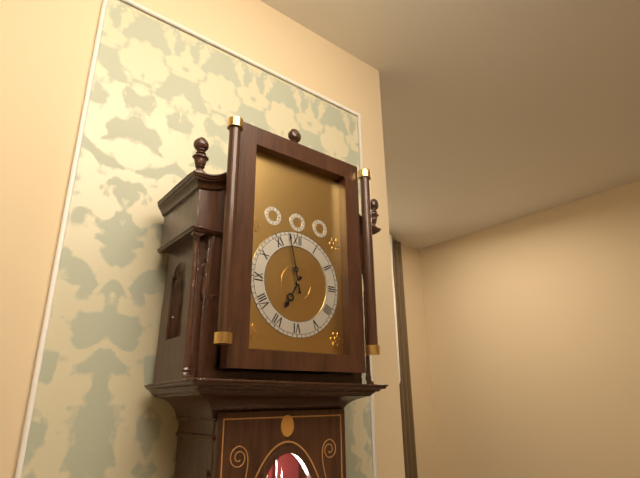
**6:58**
